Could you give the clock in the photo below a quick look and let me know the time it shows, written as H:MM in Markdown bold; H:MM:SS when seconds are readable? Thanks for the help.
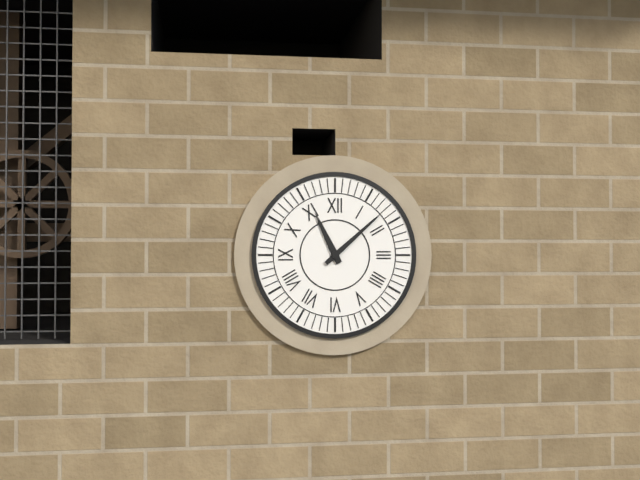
**11:08**
